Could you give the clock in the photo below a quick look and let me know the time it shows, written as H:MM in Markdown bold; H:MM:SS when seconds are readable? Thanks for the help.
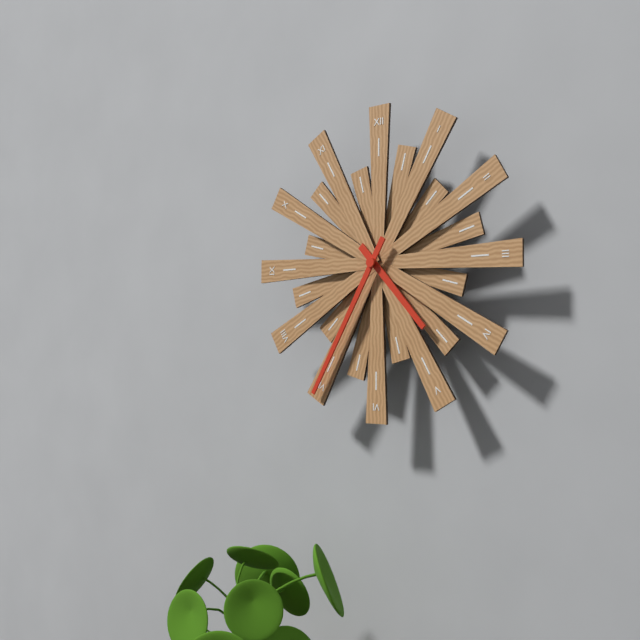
**4:35**
